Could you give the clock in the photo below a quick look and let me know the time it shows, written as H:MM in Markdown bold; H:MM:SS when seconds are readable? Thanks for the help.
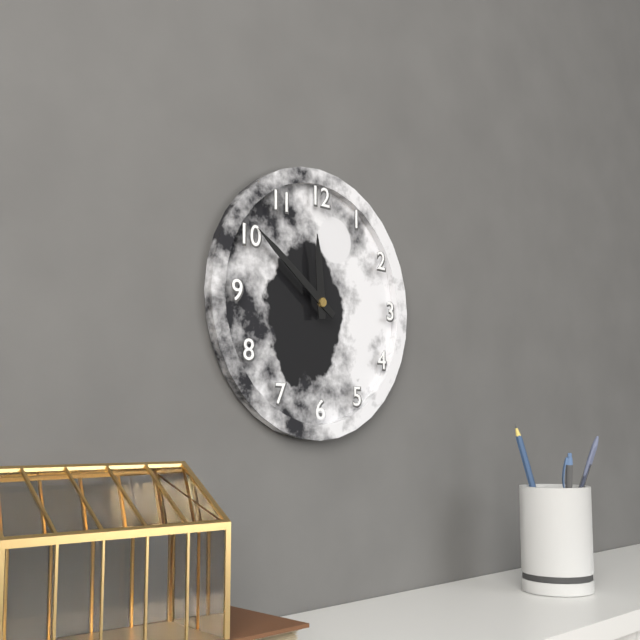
**11:51**
